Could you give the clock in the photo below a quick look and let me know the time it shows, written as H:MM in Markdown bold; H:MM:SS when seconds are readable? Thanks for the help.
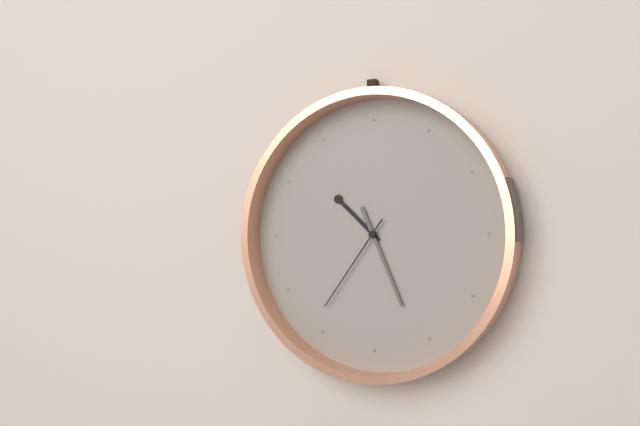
**10:26:36**
